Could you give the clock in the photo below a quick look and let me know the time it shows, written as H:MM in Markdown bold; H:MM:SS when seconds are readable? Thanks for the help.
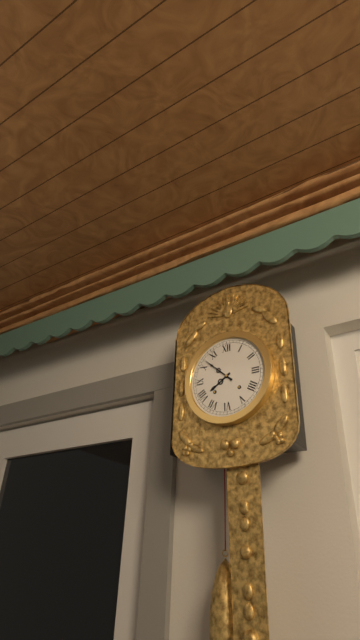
**7:52**
